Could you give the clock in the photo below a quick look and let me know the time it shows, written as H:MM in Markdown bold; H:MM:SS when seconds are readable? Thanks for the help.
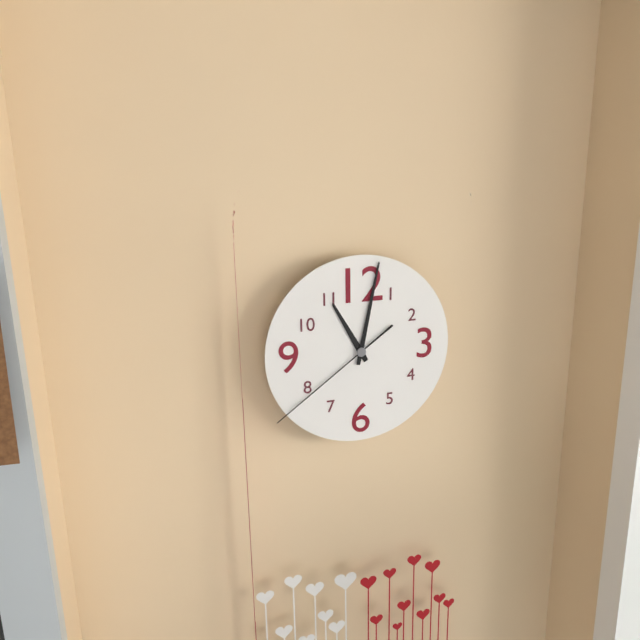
**11:02:39**
